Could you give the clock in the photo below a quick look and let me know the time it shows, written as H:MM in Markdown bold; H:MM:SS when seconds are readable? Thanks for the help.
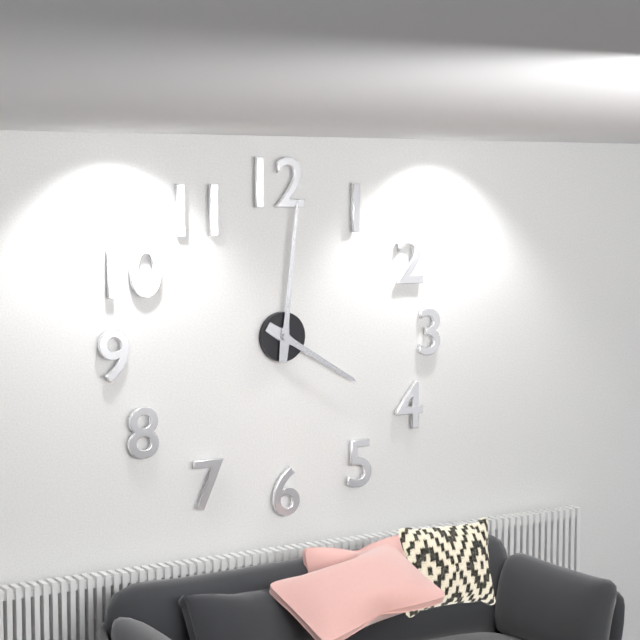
**4:01**
